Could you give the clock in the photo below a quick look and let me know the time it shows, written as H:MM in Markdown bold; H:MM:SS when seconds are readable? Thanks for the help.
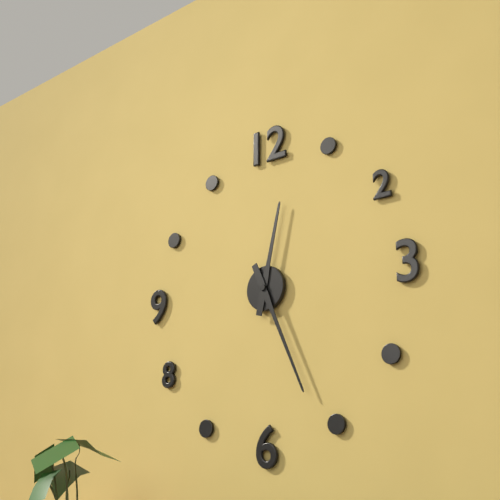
**12:26**
